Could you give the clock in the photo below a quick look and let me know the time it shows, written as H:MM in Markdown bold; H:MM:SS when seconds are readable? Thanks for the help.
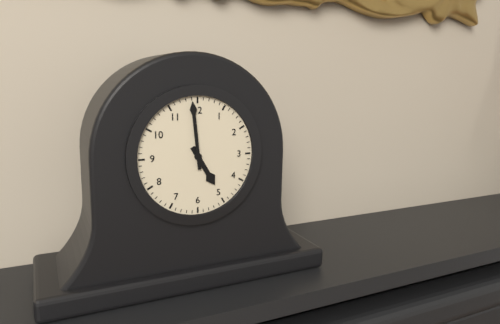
**4:59**
